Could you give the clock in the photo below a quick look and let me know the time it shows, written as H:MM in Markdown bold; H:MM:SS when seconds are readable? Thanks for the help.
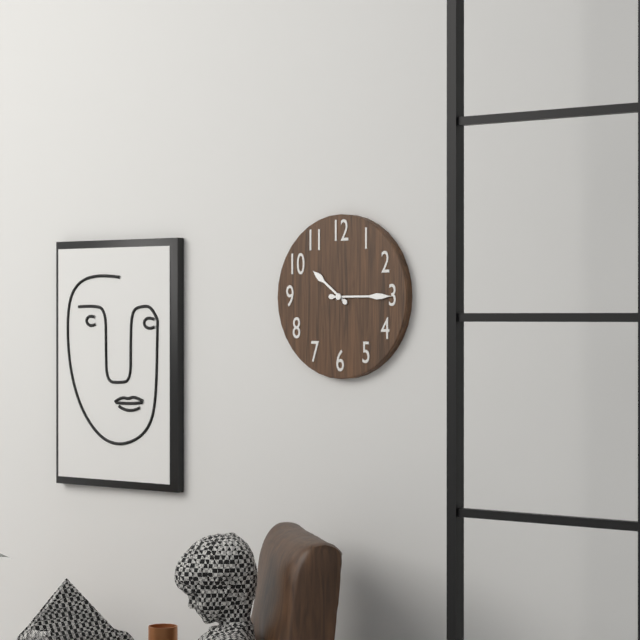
**10:15**
